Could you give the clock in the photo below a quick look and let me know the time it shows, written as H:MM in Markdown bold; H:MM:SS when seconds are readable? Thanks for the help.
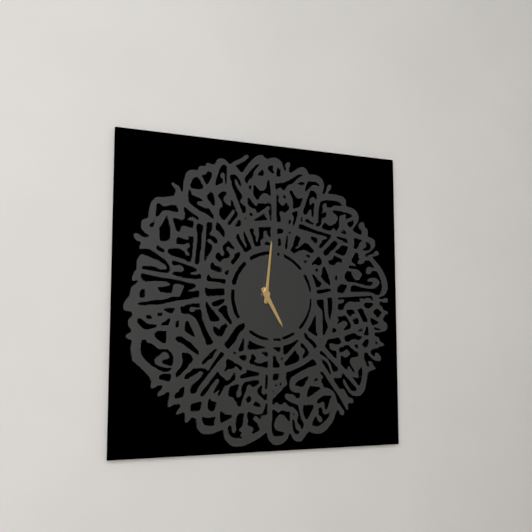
**5:01**
